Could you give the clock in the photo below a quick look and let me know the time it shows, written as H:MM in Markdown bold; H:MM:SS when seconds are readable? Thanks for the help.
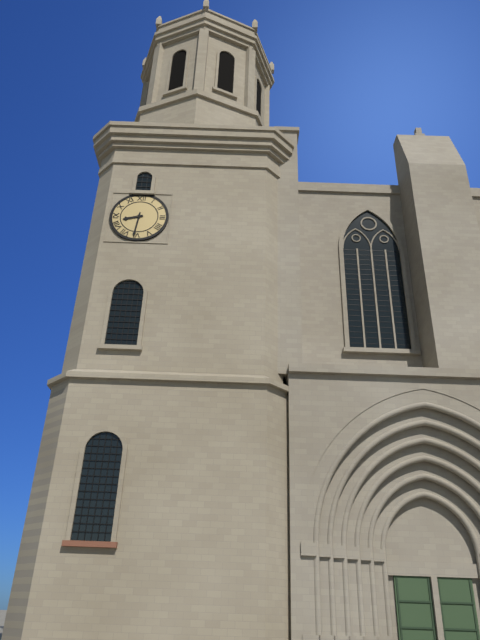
**8:31**
